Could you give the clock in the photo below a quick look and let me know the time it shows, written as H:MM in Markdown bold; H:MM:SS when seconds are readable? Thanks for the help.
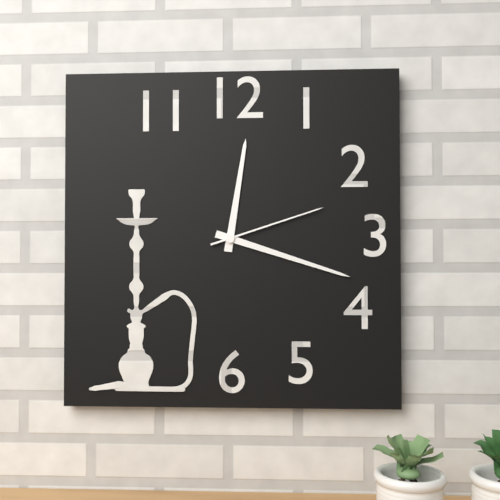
**12:18:12**
